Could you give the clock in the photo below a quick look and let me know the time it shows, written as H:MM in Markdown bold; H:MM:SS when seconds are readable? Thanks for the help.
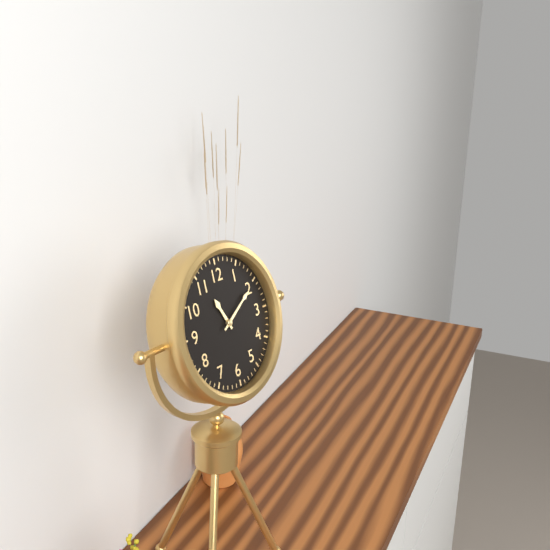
**11:10**
